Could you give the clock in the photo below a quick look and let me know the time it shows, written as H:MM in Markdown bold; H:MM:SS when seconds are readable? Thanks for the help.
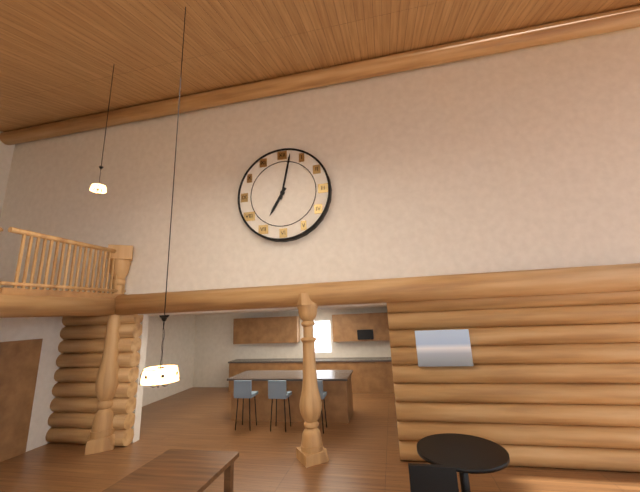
**7:02**
